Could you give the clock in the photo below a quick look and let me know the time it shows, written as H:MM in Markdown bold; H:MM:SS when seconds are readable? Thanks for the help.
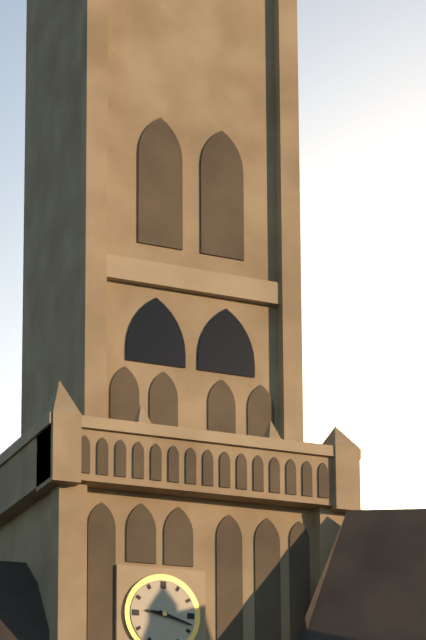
**9:18**
